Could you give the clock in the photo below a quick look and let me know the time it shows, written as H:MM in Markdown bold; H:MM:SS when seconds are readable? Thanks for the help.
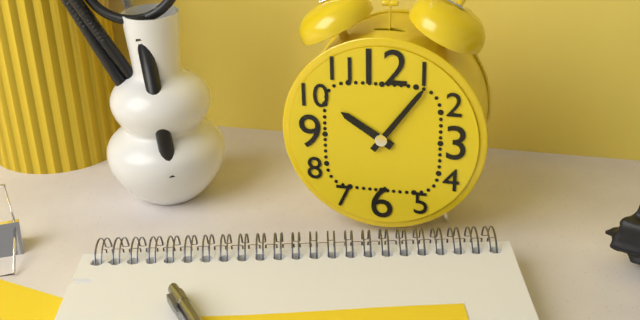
**10:06**
